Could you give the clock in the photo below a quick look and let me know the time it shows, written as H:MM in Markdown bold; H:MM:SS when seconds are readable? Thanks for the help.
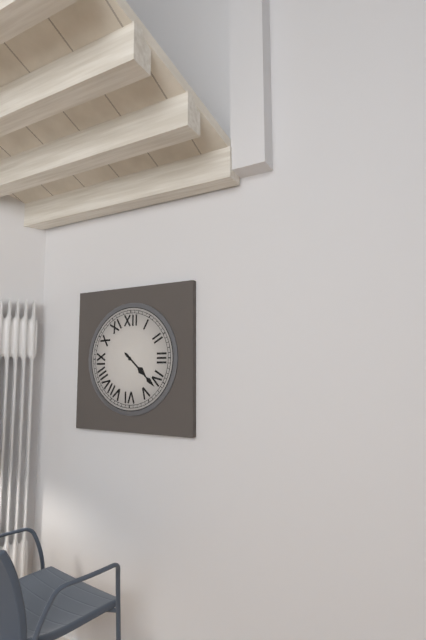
**4:22**
